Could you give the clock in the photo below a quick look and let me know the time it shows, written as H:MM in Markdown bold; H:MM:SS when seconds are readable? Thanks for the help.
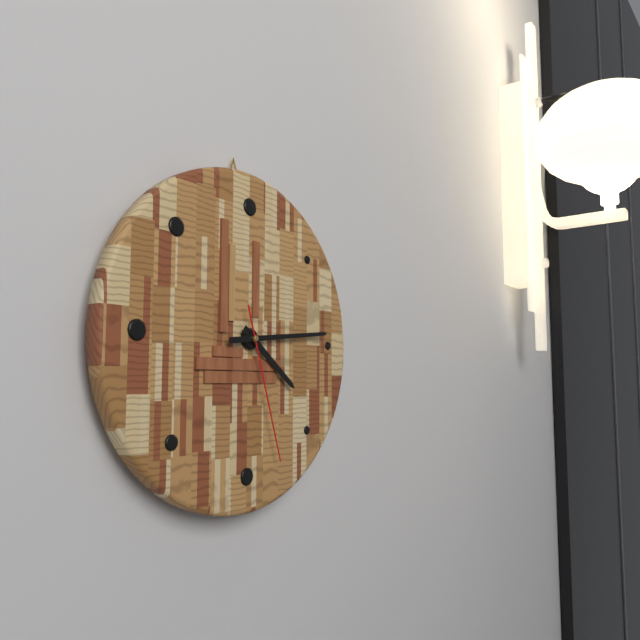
**4:14:27**
